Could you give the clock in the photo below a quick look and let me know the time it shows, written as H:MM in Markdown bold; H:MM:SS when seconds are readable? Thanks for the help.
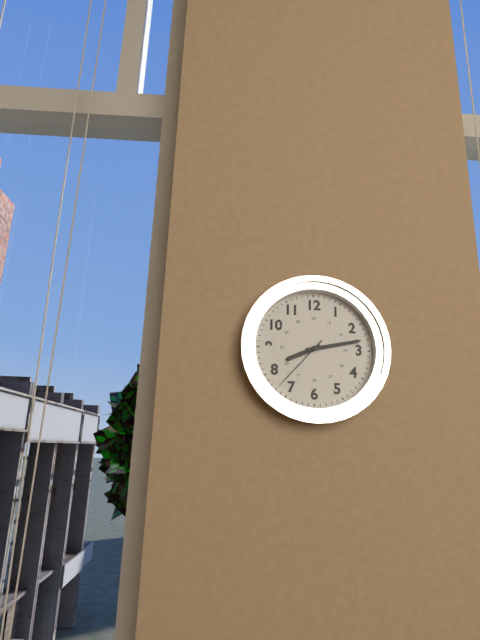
**8:13:37**
